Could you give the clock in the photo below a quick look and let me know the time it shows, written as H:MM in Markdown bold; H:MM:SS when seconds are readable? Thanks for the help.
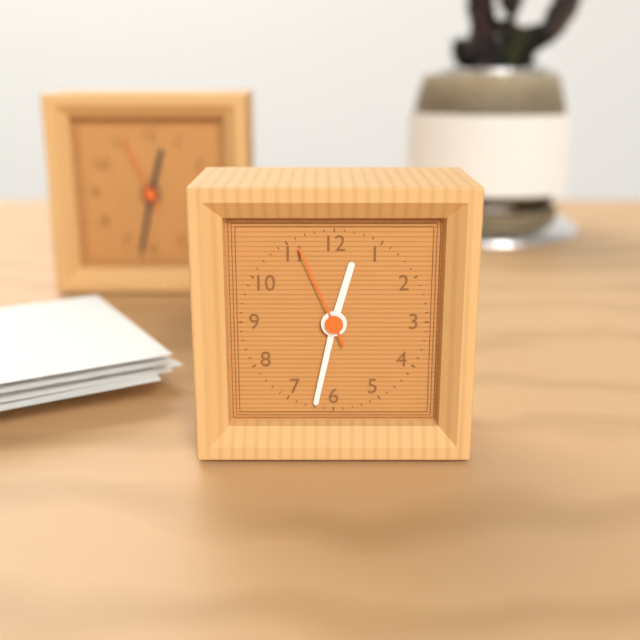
**12:32:56**
